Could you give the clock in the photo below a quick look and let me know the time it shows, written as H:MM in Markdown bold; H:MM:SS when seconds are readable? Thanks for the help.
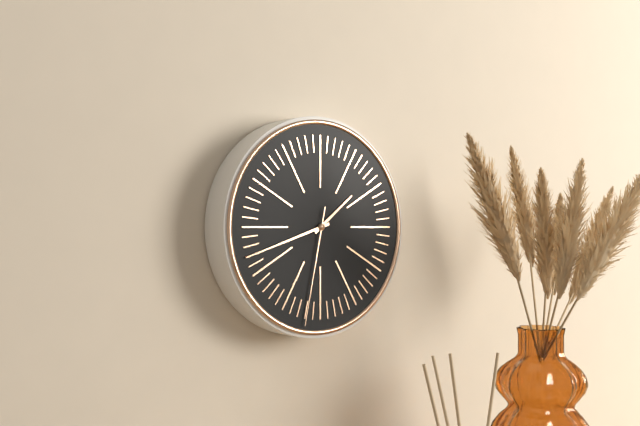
**1:42:32**
